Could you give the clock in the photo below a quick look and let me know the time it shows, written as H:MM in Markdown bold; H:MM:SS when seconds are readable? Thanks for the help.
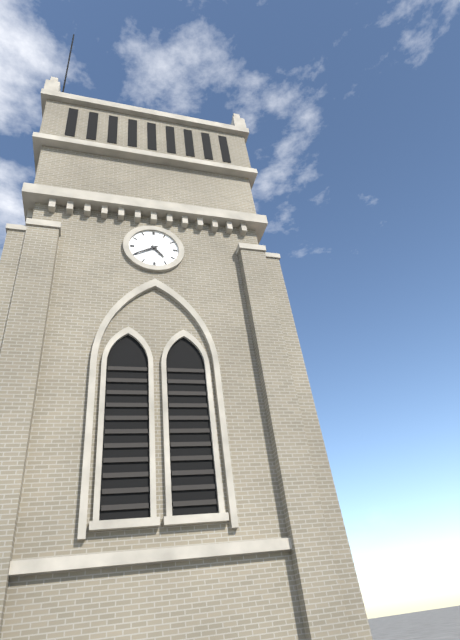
**4:40**
